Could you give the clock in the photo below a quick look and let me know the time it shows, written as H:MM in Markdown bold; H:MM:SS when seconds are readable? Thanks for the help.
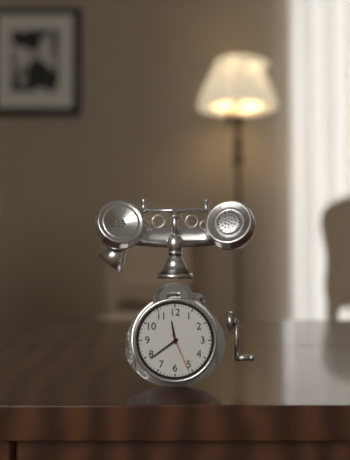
**11:39**
